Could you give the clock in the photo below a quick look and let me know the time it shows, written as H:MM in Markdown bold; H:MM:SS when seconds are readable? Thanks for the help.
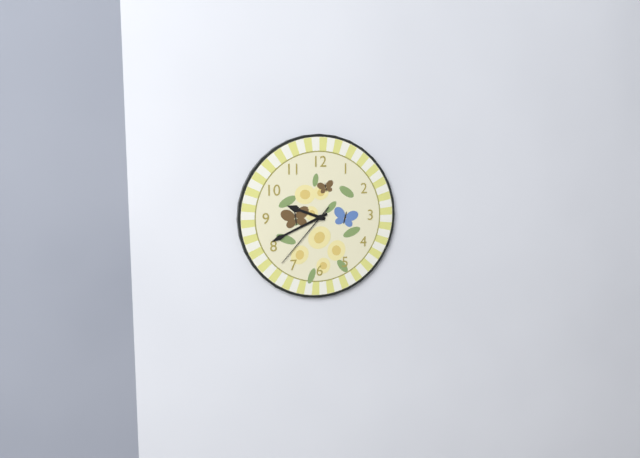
**9:41:37**
